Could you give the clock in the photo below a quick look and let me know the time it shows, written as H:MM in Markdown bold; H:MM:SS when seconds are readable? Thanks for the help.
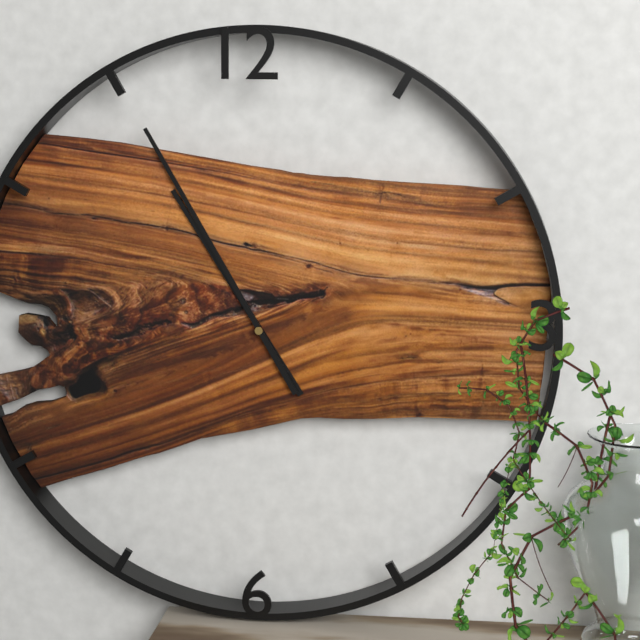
**10:55**
